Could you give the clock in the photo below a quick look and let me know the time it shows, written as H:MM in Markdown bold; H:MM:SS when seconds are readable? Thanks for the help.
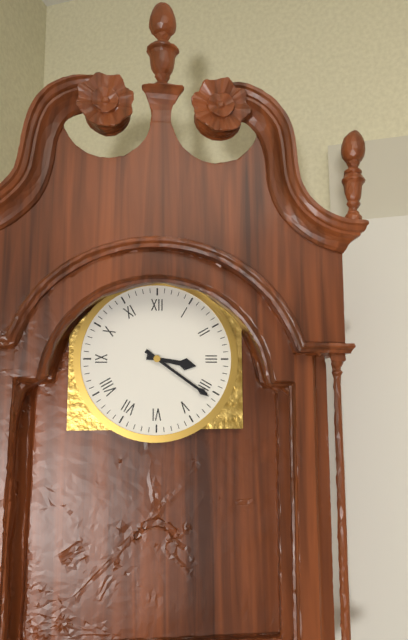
**3:21**
